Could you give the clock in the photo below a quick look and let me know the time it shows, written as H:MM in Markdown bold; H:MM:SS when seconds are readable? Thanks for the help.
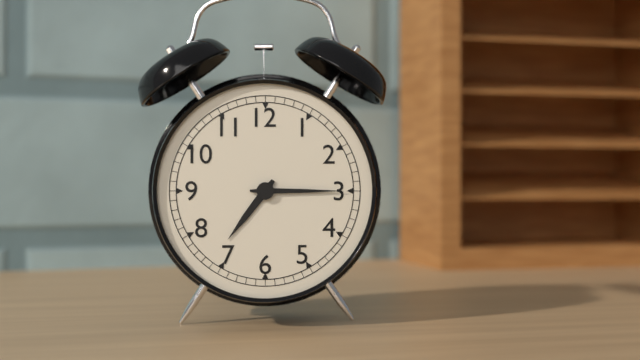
**7:15**
